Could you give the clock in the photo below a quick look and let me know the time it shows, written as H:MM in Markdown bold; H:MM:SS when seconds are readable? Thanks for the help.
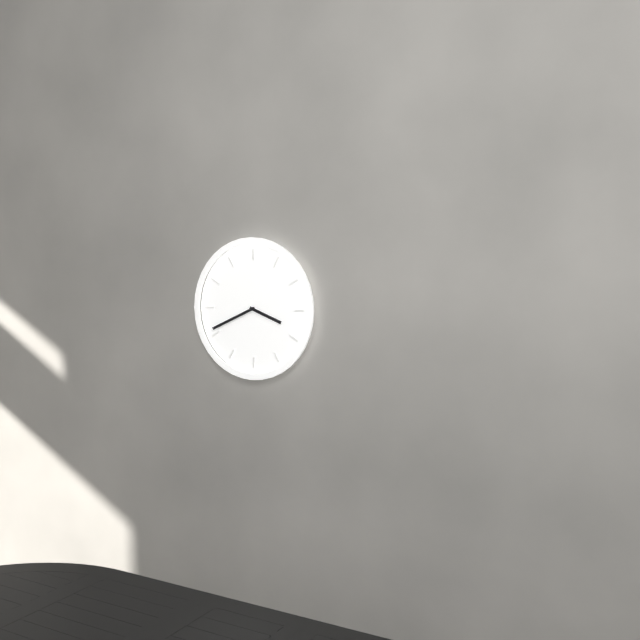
**3:41**
